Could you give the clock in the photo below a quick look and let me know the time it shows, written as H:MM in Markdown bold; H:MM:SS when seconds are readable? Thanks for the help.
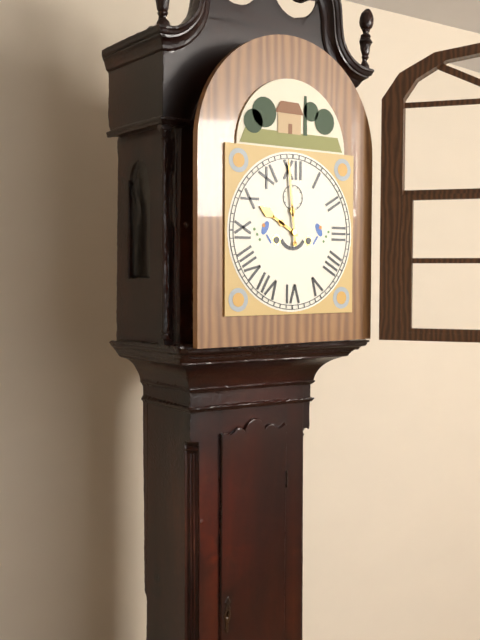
**9:59**
